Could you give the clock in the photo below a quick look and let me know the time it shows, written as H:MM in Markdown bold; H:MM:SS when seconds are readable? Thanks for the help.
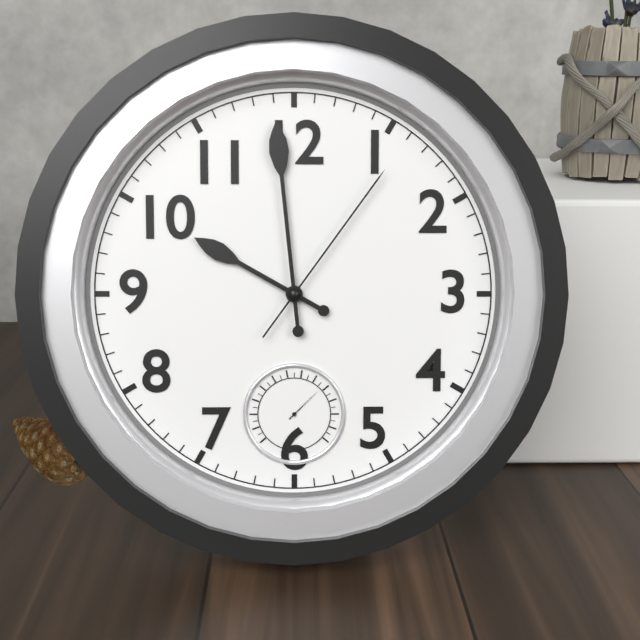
**9:59:06**
